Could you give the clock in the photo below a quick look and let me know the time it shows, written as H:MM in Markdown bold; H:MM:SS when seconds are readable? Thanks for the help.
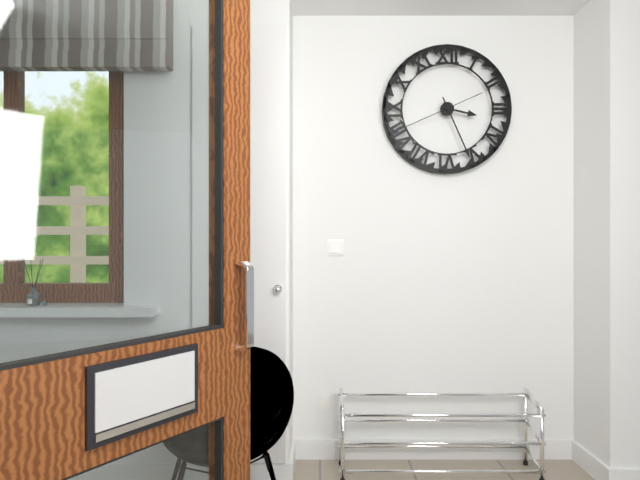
**3:26:41**
